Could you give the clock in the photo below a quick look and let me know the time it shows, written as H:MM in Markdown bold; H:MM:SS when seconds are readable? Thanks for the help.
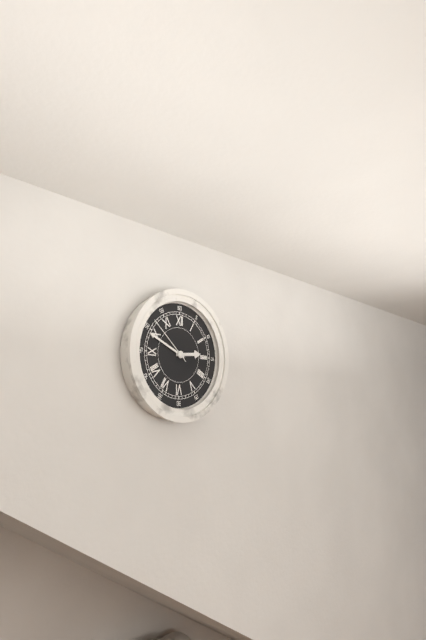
**2:49:52**
